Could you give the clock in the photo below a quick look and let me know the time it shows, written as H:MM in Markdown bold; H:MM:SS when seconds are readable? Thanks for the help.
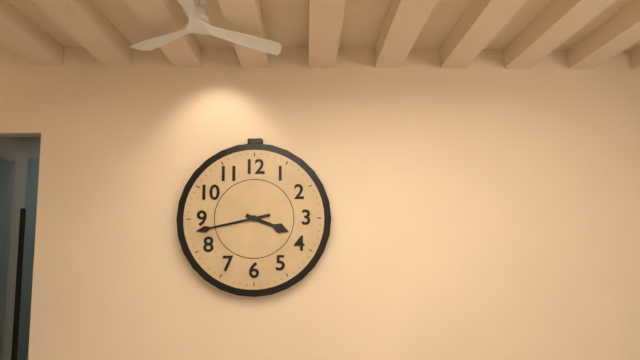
**3:43**
